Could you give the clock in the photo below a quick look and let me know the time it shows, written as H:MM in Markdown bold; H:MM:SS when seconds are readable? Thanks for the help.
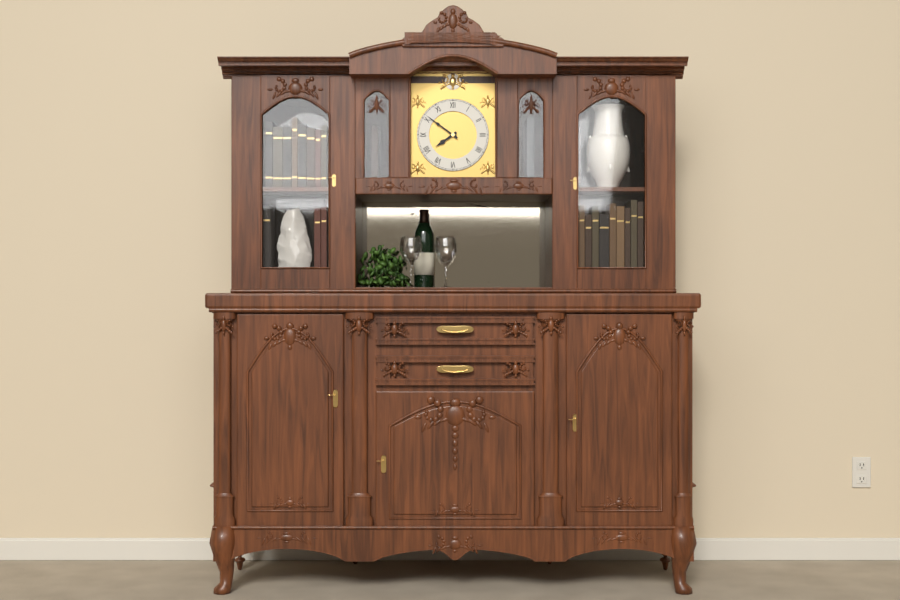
**7:51**
